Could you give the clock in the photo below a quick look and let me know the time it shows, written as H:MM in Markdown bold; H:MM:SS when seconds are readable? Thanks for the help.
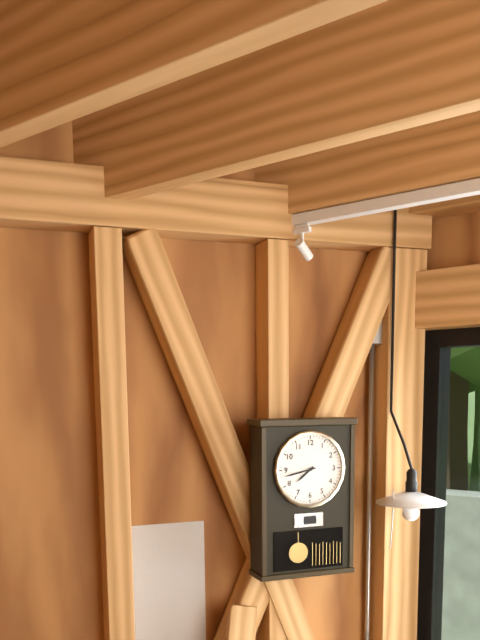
**7:43**
